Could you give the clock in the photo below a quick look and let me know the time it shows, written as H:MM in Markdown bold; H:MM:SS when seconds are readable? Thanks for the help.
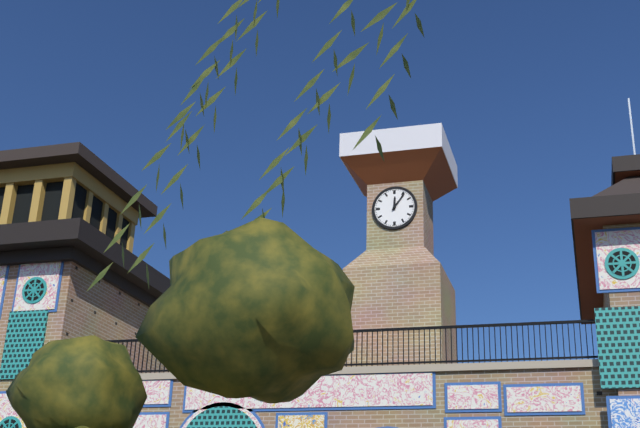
**12:06**
